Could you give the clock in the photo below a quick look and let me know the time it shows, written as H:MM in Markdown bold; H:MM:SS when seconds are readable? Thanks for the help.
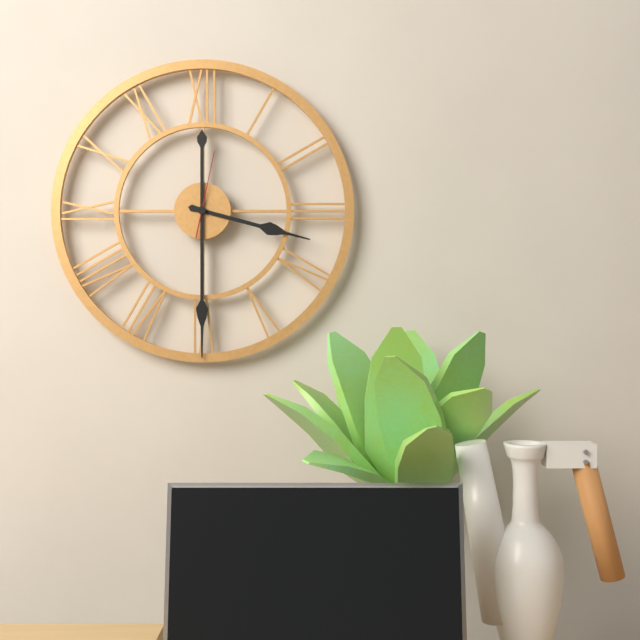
**3:30:02**
